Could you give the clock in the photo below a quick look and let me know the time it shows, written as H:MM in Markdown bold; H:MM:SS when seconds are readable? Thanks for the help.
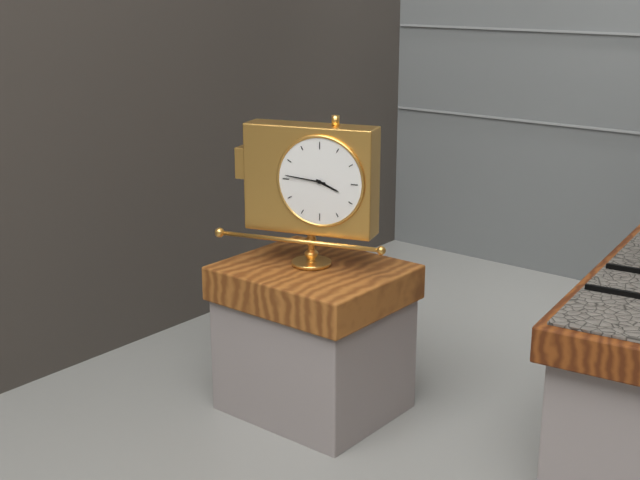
**3:46**
